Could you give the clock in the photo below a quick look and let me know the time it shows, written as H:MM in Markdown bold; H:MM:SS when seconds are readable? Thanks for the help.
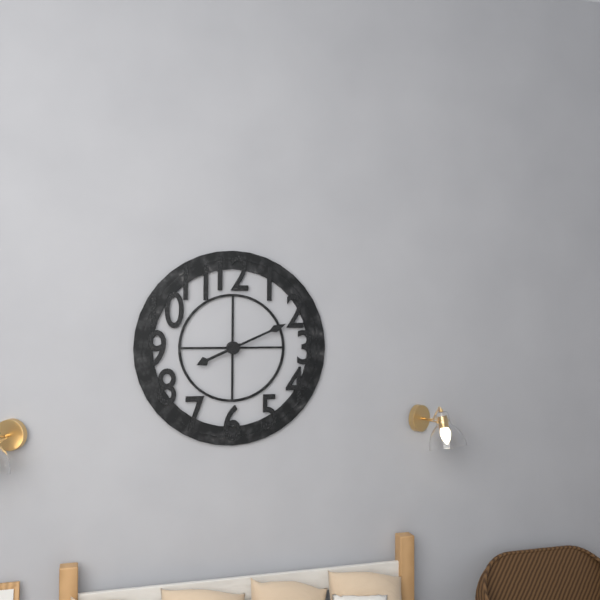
**8:11**
